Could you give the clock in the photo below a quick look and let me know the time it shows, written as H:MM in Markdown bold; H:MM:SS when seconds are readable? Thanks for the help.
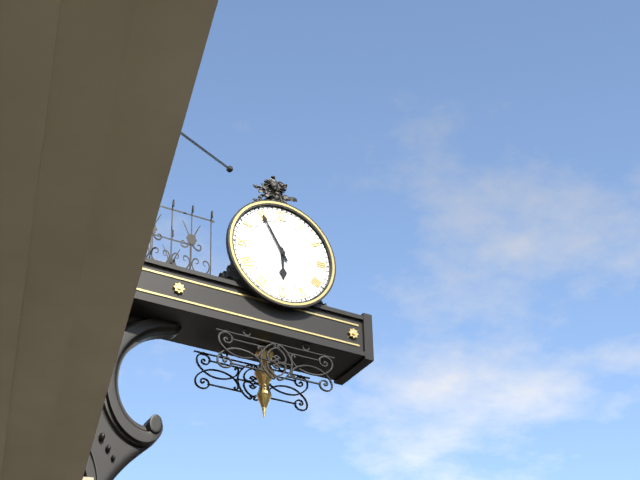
**5:55**
